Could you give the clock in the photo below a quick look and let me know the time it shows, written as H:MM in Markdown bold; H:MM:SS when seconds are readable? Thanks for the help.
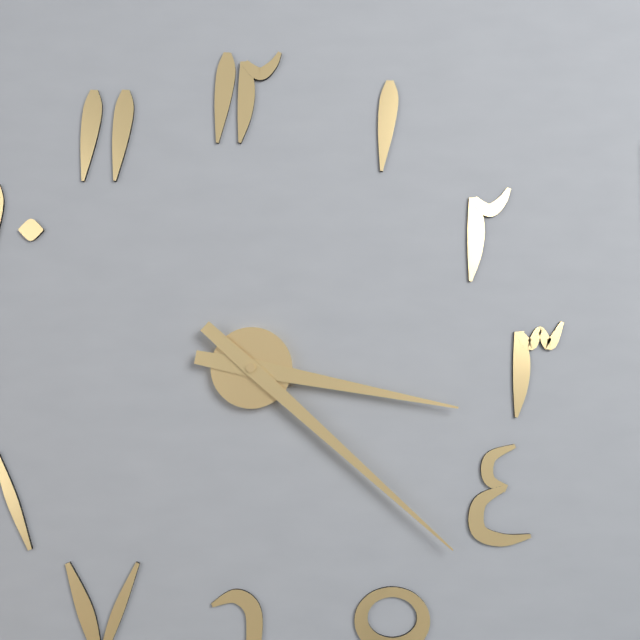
**3:22**
